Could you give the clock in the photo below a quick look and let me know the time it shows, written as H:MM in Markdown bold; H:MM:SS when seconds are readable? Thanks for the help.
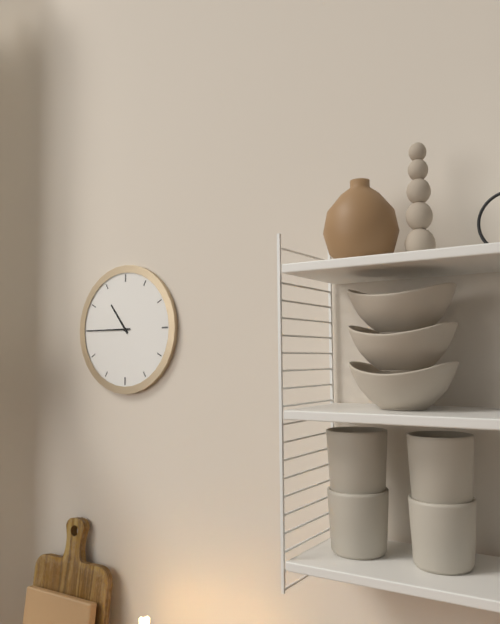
**10:45**
